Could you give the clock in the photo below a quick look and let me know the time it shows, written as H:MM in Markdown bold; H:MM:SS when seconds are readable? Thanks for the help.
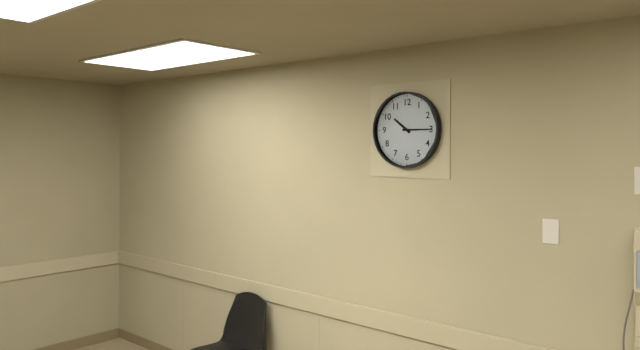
**10:15**
